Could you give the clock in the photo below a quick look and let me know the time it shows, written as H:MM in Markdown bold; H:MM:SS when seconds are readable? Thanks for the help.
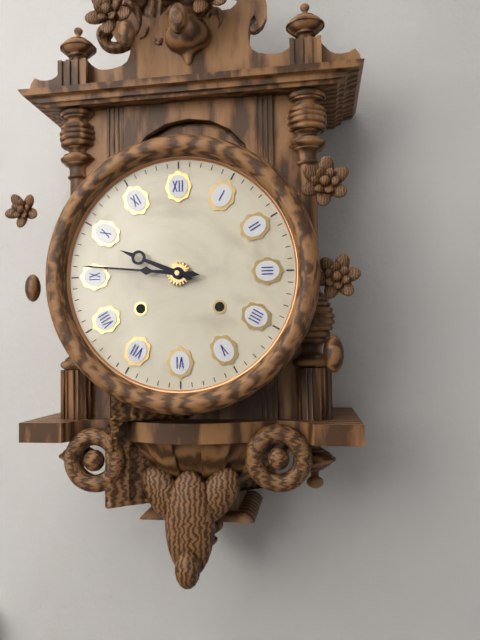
**9:46**
